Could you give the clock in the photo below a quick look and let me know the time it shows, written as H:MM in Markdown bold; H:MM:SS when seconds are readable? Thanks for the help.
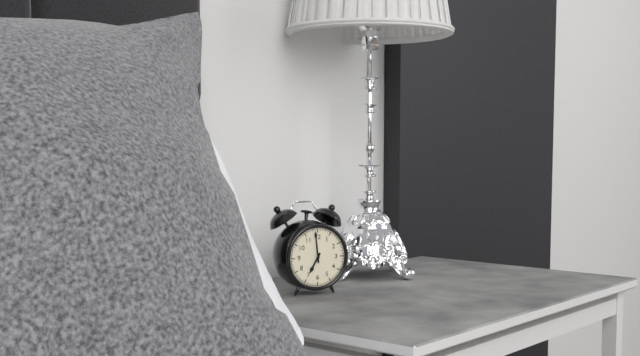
**6:59**
